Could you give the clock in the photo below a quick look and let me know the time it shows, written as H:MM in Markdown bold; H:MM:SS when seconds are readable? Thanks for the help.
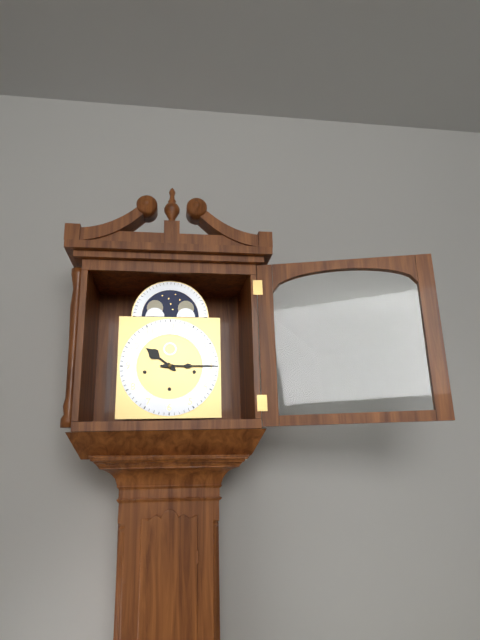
**10:15**
